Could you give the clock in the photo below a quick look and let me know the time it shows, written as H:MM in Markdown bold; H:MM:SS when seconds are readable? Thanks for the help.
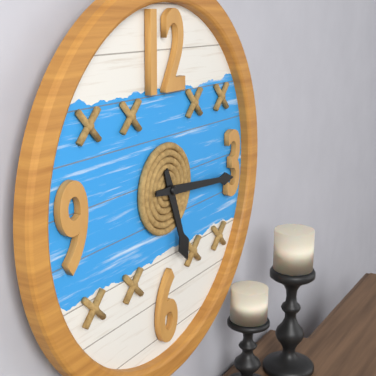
**5:16**
